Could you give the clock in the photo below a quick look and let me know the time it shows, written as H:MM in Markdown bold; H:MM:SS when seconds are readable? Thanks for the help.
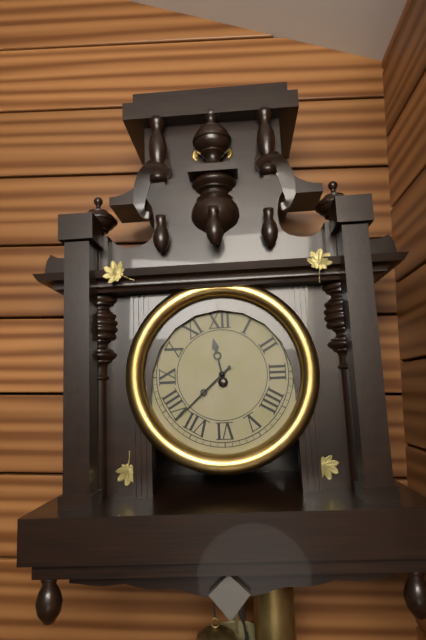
**11:38**
